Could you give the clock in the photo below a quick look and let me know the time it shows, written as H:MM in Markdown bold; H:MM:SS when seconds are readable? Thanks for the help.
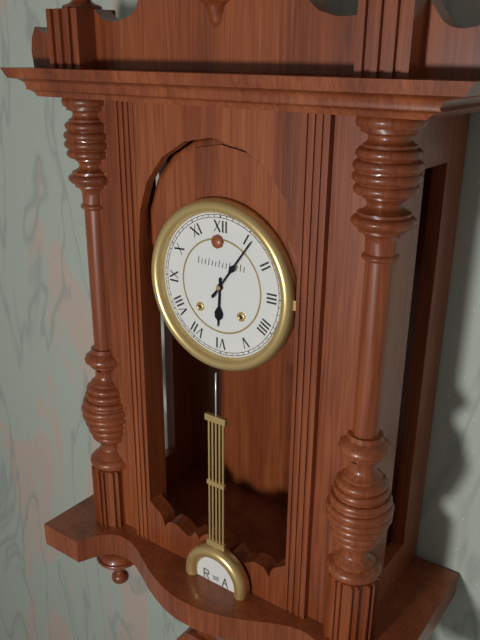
**6:06**
